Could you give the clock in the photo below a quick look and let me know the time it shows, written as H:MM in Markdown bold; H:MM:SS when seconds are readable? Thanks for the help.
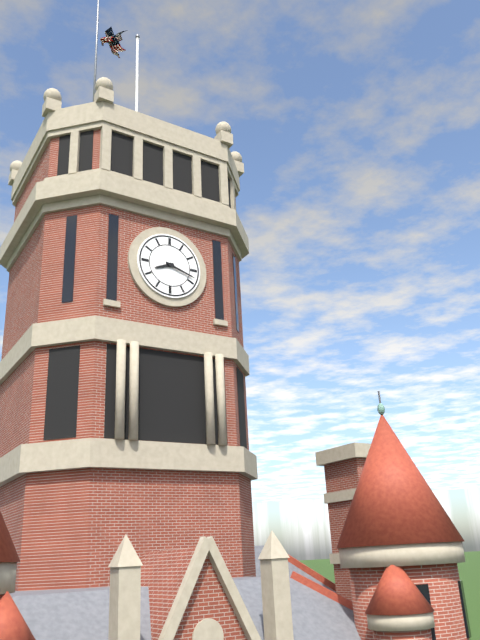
**8:18**
